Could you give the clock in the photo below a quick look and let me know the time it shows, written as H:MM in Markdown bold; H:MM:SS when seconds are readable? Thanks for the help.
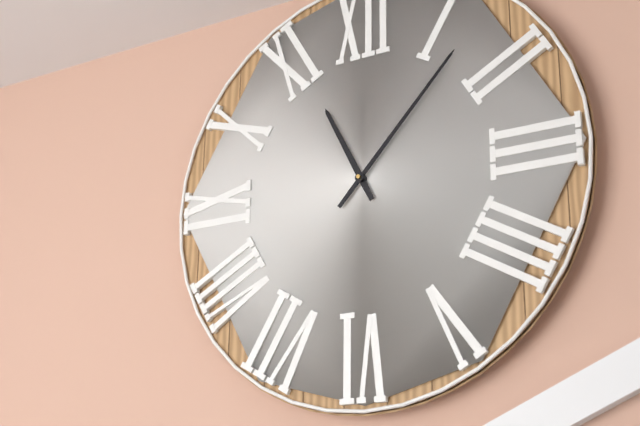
**11:07**
